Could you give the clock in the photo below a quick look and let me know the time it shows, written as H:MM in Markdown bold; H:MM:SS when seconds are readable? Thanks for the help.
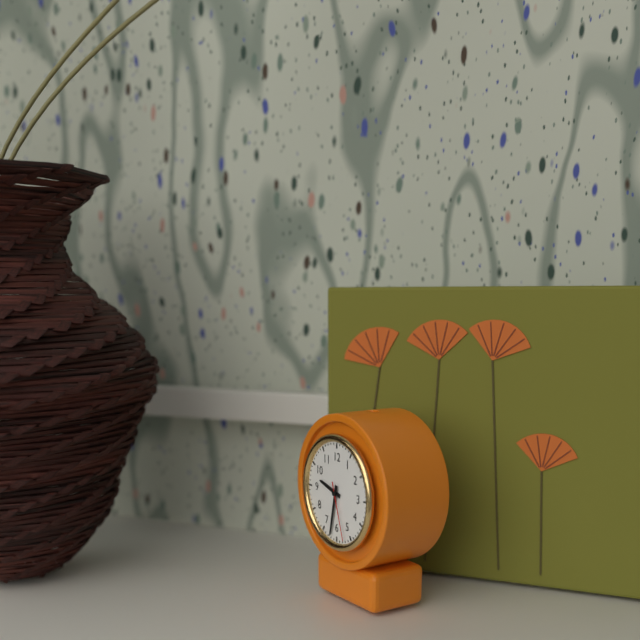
**9:32:27**
